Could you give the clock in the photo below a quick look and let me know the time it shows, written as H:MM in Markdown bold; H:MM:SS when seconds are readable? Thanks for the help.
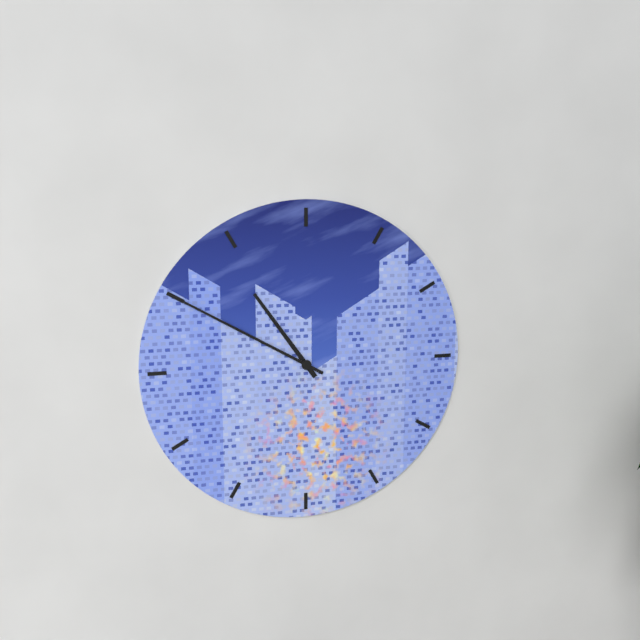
**10:50**
